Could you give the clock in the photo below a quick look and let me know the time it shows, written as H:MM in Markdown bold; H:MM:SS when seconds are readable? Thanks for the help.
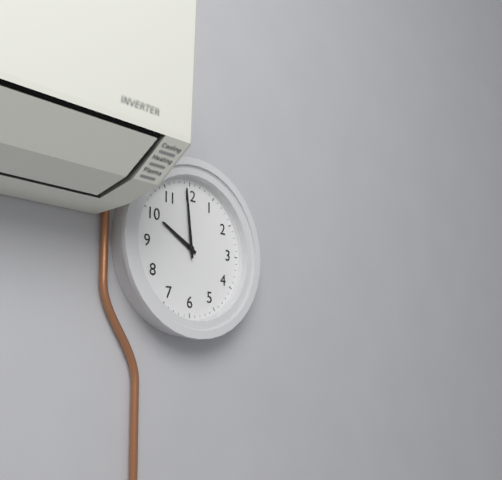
**9:59**
